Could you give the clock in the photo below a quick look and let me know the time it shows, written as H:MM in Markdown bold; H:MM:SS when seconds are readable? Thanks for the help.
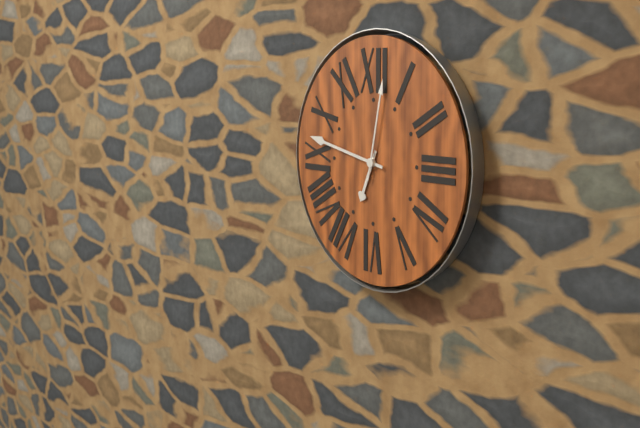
**6:47:02**
